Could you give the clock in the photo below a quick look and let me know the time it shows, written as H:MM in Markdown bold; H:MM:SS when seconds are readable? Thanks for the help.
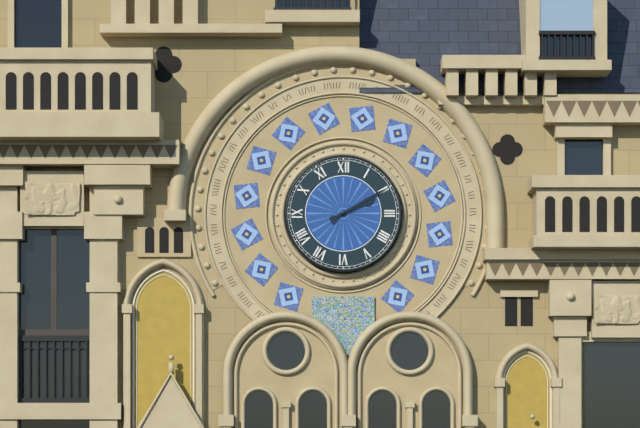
**2:10**
